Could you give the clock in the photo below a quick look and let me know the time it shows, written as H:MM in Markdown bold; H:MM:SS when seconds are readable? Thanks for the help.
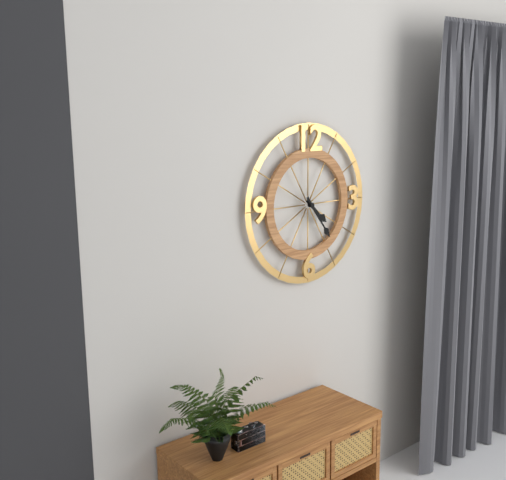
**4:24**
